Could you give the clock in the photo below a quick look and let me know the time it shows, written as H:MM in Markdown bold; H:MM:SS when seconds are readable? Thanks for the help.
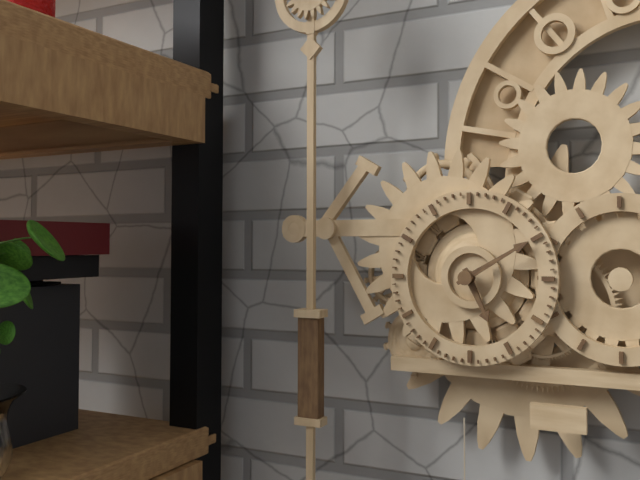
**5:10**
